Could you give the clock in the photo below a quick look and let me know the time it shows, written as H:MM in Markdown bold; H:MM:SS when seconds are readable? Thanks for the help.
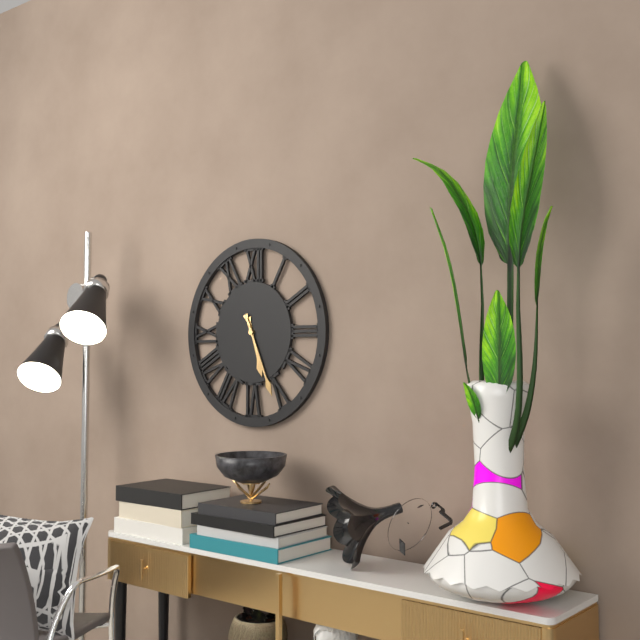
**5:26**
